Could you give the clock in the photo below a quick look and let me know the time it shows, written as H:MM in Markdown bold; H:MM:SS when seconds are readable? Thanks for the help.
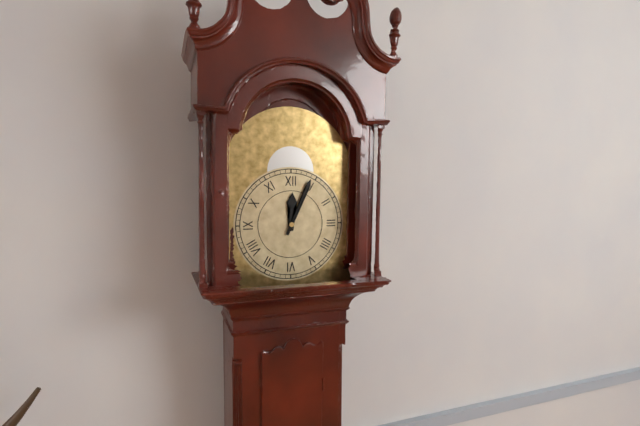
**12:04**
